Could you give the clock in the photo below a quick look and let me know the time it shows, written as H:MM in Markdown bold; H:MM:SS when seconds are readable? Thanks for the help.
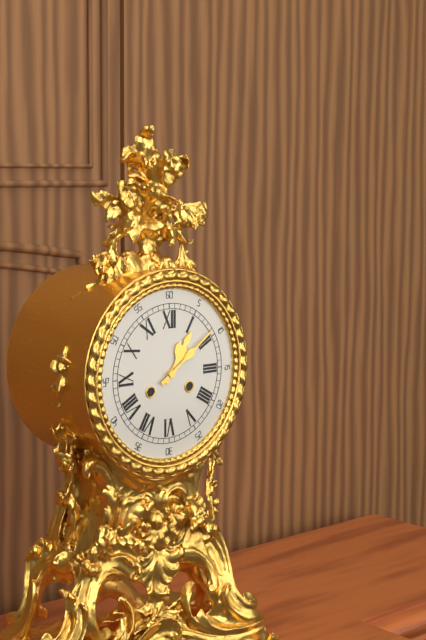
**1:09**
